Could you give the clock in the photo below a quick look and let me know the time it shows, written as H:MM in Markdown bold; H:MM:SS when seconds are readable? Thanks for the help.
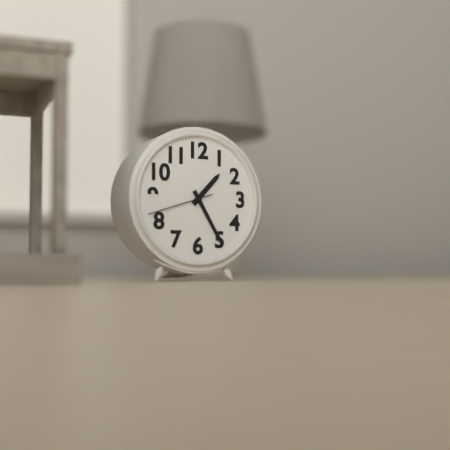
**1:25:42**
